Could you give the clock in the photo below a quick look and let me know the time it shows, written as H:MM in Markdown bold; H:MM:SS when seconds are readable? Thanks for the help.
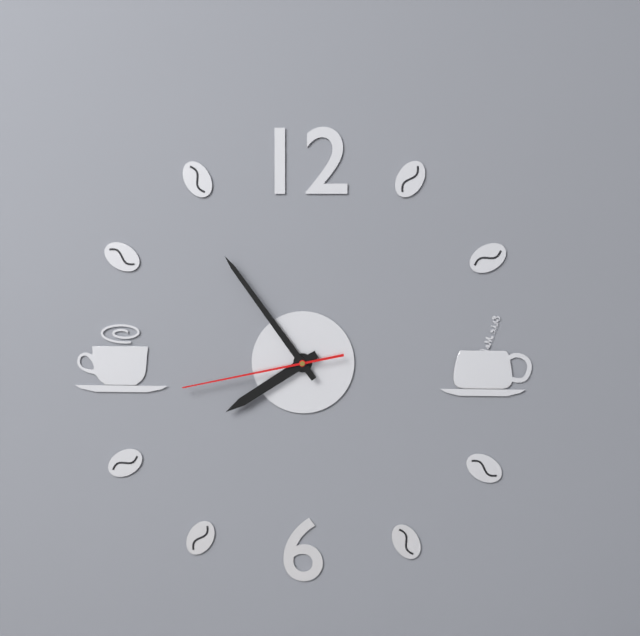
**7:54:43**
